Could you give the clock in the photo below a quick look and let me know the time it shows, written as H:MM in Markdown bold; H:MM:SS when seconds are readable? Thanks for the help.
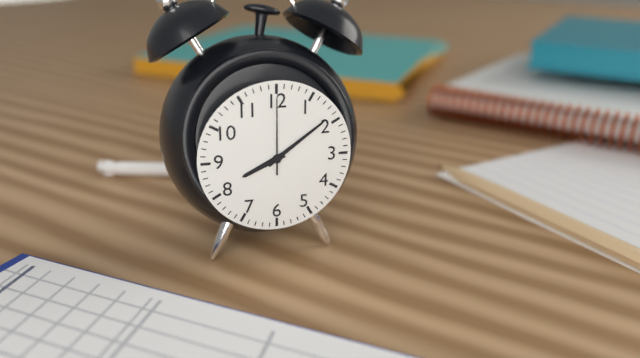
**8:09:00**
